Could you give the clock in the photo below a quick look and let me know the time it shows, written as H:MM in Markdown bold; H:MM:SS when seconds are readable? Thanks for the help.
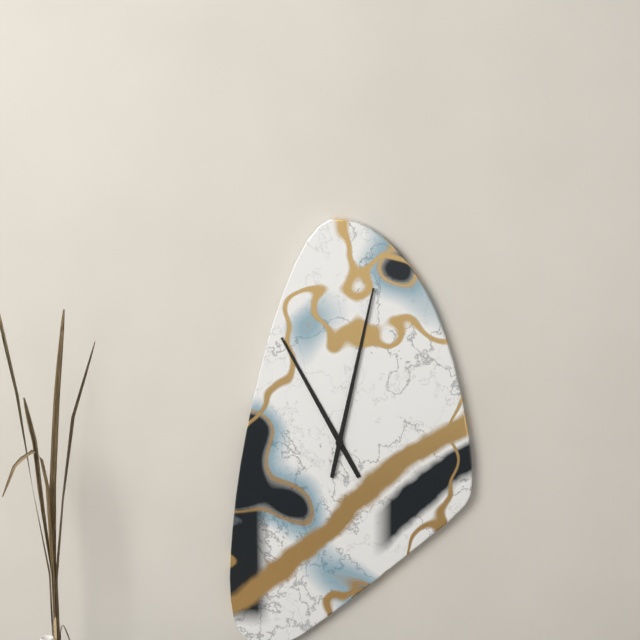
**11:02**
